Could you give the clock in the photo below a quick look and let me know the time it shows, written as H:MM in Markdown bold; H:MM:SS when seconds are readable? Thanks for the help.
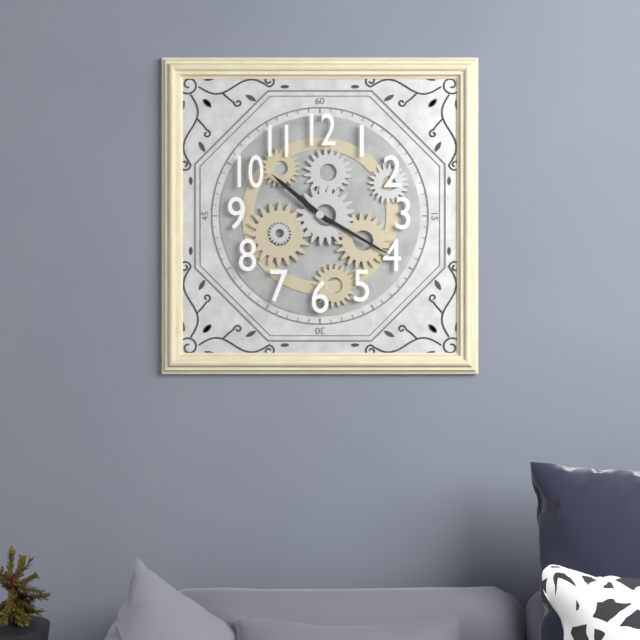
**10:20**
